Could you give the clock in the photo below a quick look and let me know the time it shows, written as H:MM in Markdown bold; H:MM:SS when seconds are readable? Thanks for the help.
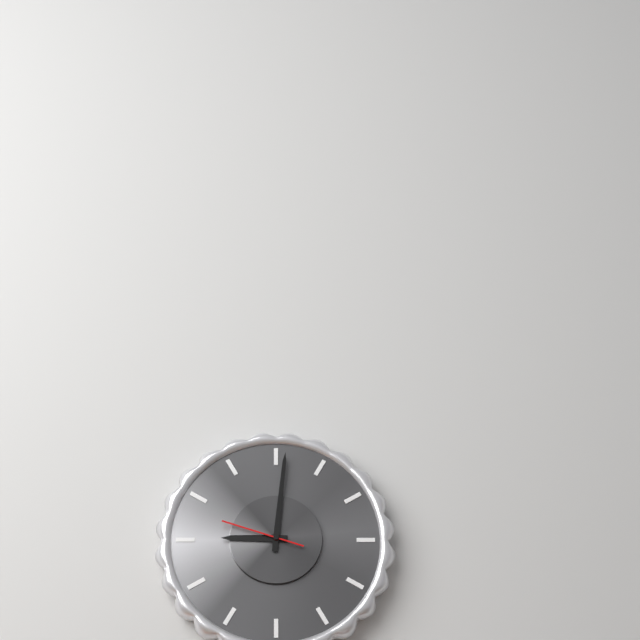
**9:01:48**
